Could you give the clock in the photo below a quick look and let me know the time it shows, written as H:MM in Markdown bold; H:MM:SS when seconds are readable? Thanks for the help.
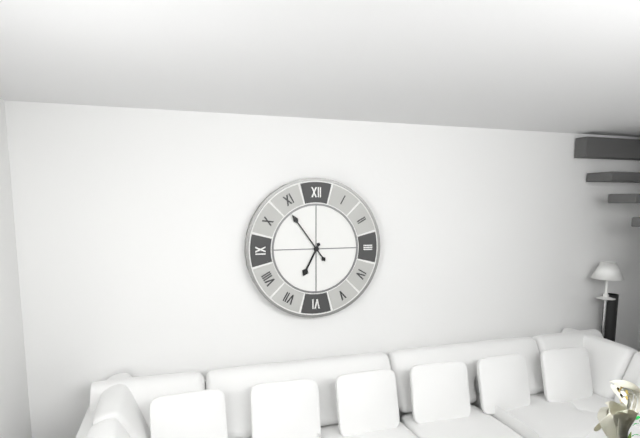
**6:54**
